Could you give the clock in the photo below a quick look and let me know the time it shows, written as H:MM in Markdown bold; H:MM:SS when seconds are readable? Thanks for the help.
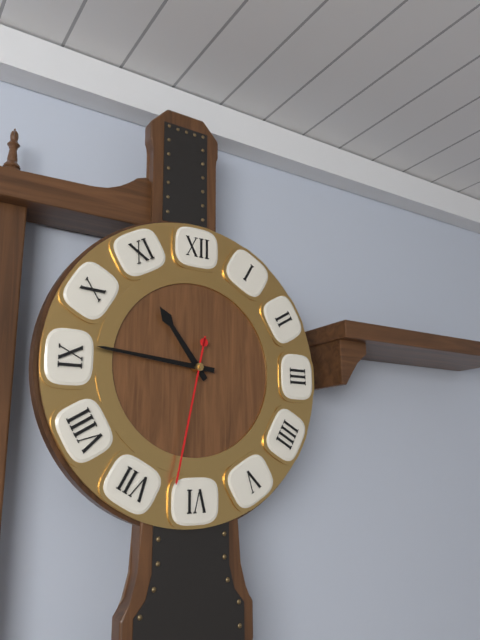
**10:46:32**
